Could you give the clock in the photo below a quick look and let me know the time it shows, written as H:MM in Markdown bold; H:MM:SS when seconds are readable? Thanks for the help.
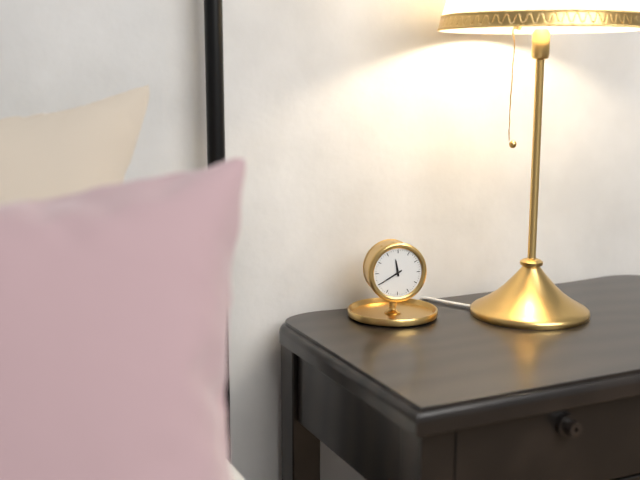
**11:40**
